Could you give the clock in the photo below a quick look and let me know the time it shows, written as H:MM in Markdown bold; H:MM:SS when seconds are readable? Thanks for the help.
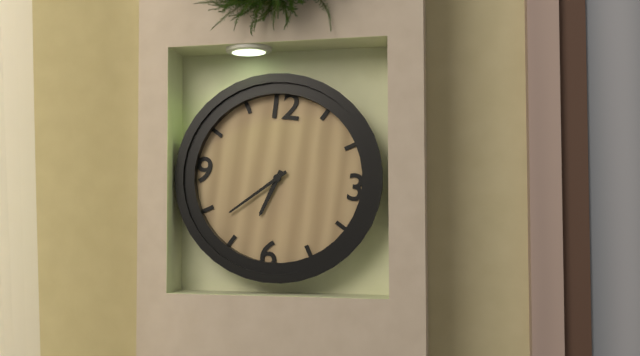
**6:38**
